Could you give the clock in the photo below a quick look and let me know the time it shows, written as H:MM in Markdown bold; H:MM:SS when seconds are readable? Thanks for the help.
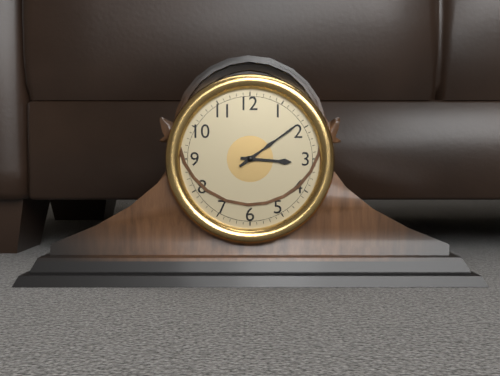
**3:09**
